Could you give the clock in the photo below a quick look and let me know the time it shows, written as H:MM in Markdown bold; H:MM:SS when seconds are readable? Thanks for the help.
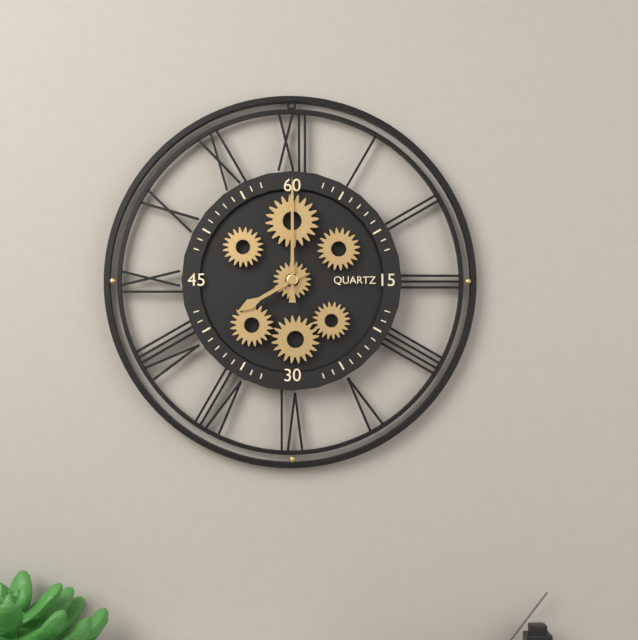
**8:00**
